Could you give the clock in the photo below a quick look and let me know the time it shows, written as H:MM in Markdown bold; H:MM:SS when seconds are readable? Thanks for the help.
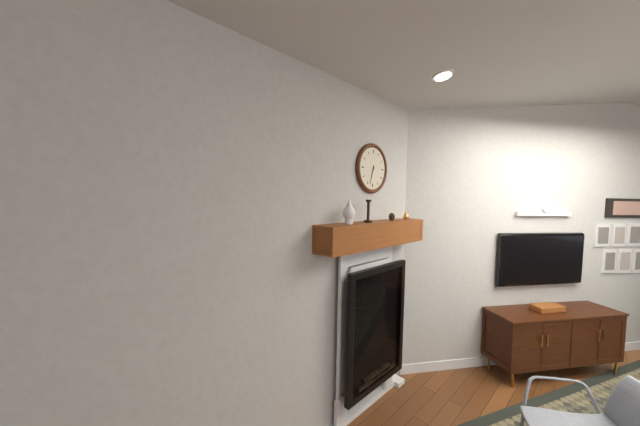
**6:33**
